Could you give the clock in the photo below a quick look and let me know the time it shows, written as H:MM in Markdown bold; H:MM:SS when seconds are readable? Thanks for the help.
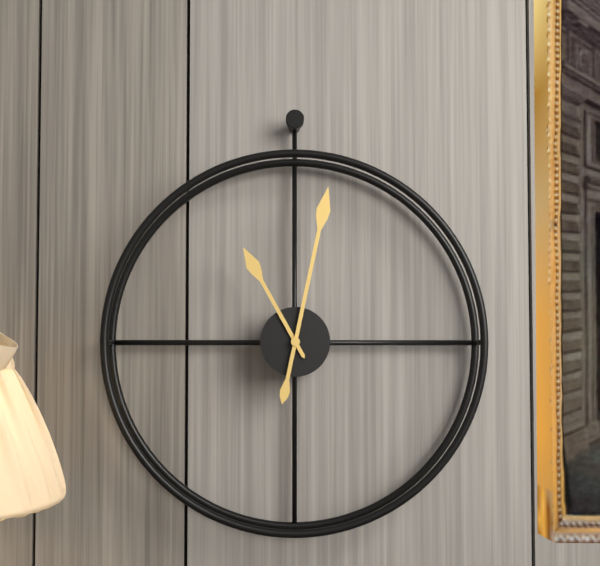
**11:02**
